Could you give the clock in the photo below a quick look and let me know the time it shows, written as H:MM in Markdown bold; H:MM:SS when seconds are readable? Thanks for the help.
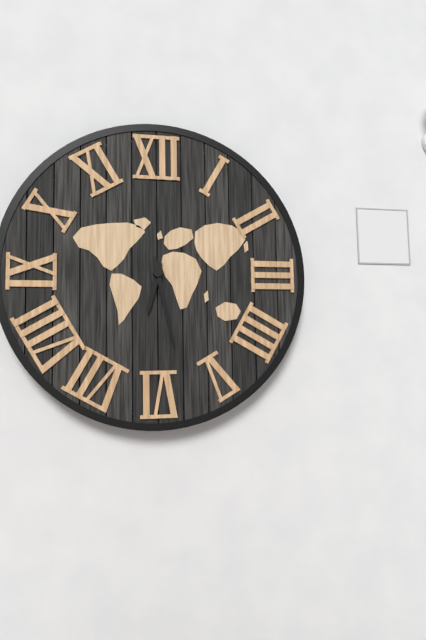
**6:28**
